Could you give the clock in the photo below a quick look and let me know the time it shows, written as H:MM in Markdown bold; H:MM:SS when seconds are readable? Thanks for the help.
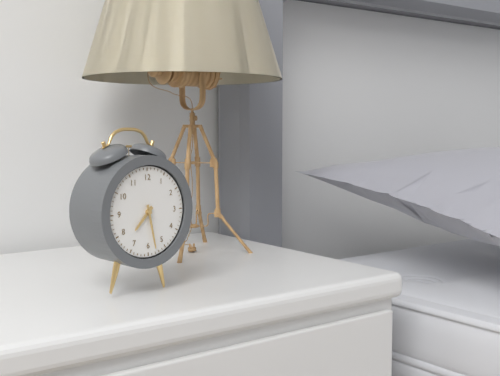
**7:28**
